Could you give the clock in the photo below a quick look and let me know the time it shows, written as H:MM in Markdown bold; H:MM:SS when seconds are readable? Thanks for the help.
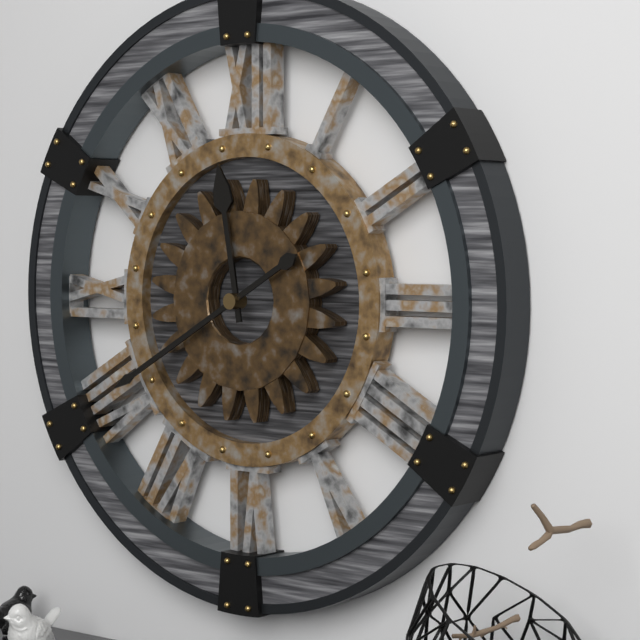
**11:40**
